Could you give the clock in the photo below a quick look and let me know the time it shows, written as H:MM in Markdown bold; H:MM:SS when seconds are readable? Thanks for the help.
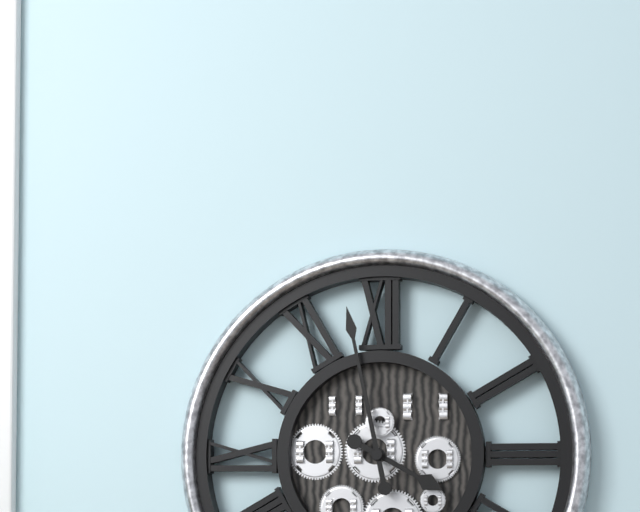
**3:58**
